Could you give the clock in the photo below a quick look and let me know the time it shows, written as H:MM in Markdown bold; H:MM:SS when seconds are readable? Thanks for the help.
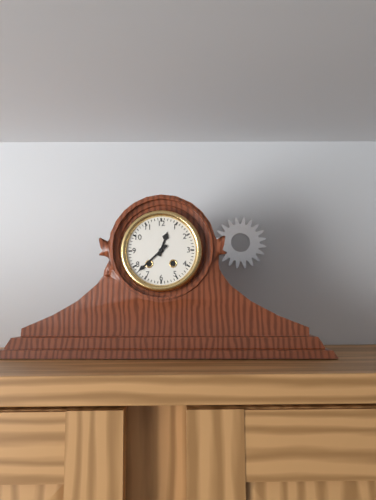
**12:38**
